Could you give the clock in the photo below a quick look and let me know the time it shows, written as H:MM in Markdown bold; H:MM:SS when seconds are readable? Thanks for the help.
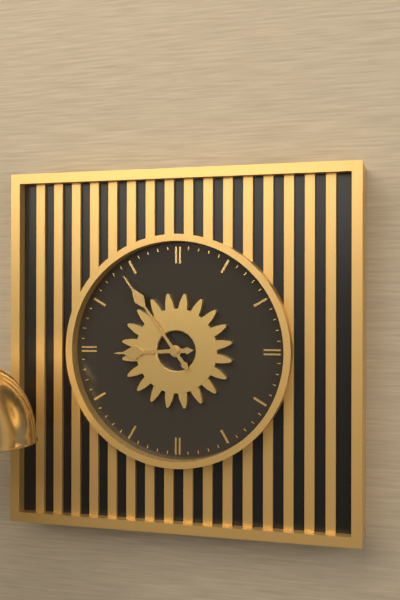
**8:54**
